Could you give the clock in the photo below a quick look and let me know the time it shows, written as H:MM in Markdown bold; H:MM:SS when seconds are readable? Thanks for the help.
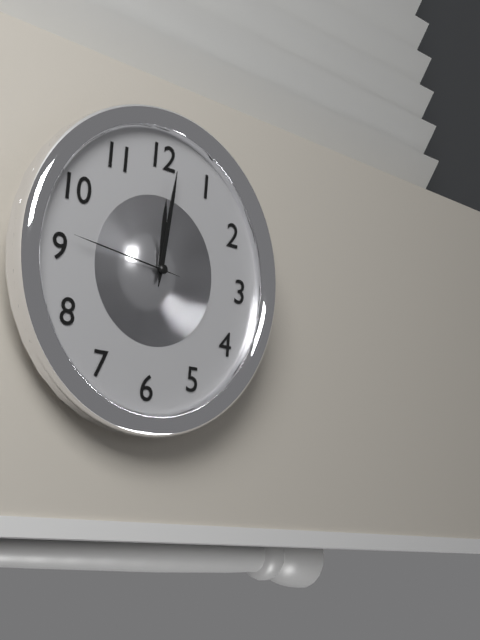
**12:01:46**
